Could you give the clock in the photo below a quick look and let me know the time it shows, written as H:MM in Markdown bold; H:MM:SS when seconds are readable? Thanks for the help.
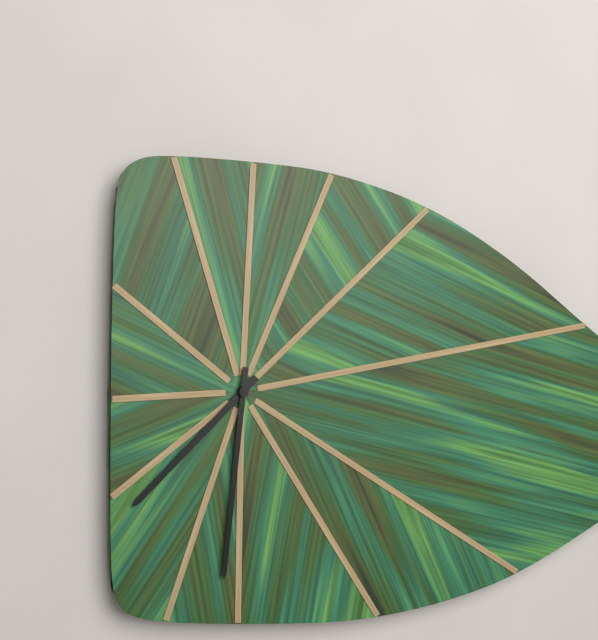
**7:31**
